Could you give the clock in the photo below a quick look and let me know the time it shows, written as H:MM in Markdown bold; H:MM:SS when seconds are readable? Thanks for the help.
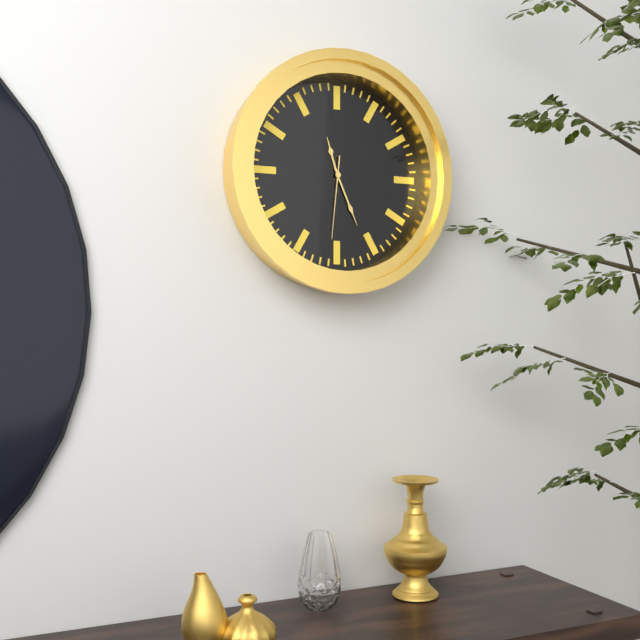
**11:26:31**
